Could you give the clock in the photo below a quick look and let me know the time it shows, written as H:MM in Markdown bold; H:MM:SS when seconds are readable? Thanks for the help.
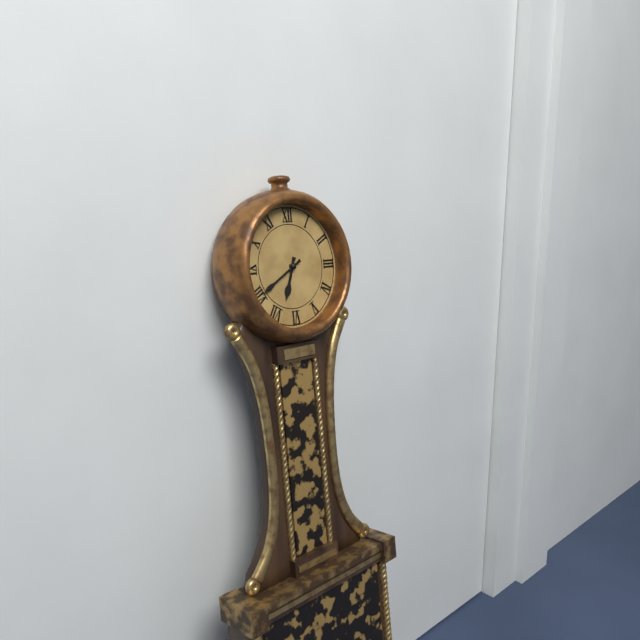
**6:40**
